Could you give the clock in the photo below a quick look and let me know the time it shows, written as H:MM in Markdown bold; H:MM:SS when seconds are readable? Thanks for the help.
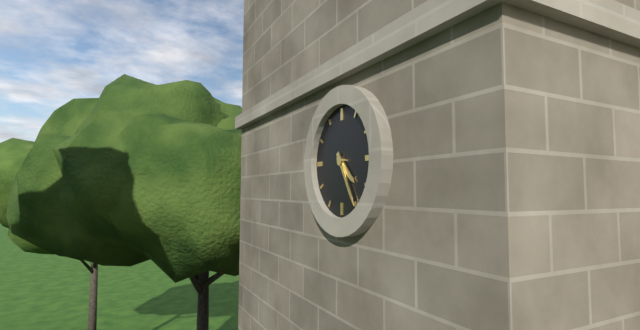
**4:25**
